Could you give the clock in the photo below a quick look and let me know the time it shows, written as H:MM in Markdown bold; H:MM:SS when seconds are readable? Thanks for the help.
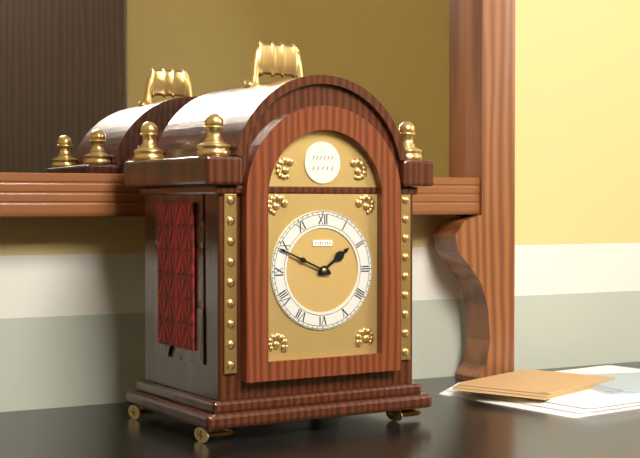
**1:49**
